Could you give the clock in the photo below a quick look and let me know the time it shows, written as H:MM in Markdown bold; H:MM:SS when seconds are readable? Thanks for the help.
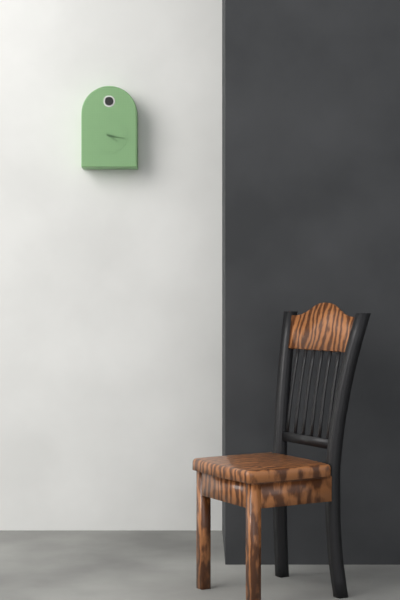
**4:17**
